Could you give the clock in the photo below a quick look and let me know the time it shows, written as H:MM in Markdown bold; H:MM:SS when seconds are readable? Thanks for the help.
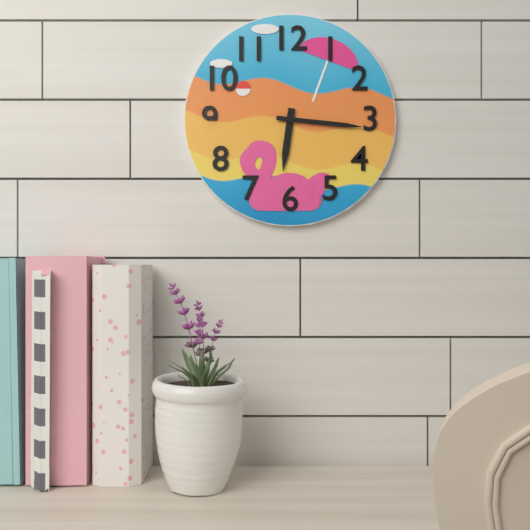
**6:16**
